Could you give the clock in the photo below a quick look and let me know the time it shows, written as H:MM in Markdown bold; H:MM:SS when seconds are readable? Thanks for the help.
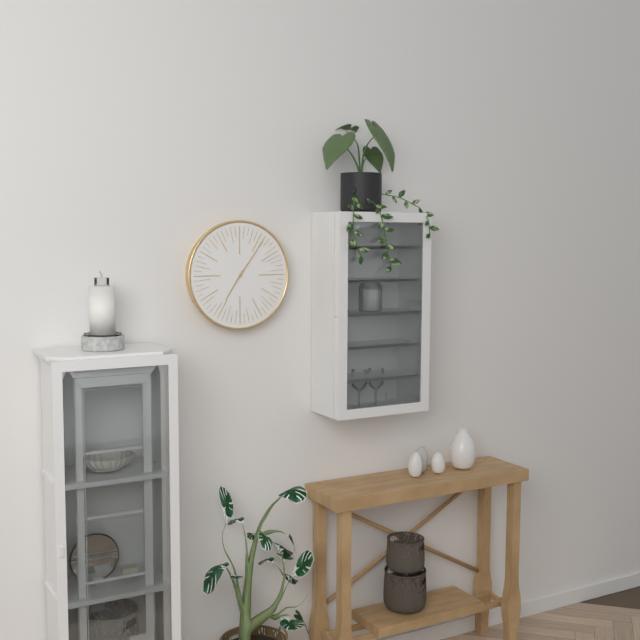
**7:06**
